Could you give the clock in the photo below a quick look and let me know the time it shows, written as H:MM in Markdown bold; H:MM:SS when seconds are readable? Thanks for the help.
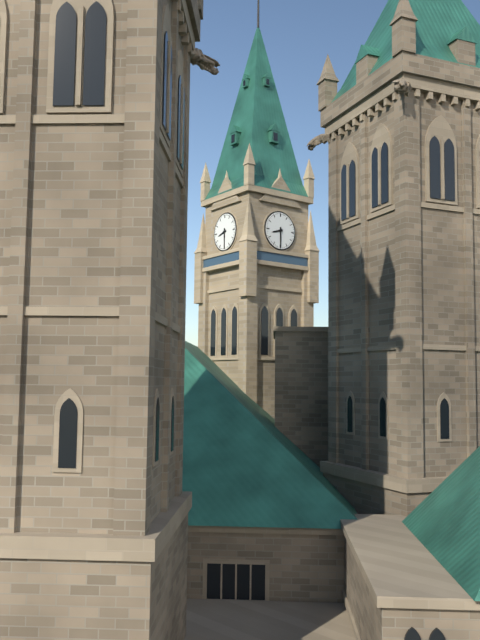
**8:30**
